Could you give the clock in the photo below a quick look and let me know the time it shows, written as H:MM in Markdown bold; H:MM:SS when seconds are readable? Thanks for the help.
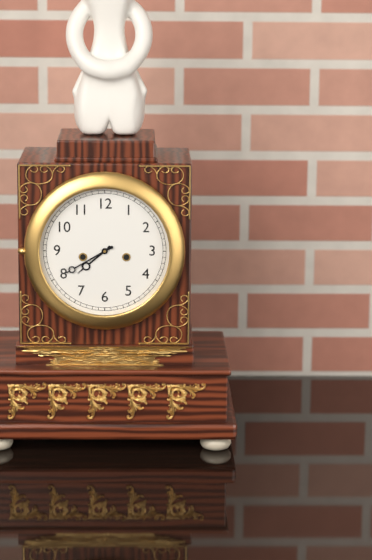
**7:40**
